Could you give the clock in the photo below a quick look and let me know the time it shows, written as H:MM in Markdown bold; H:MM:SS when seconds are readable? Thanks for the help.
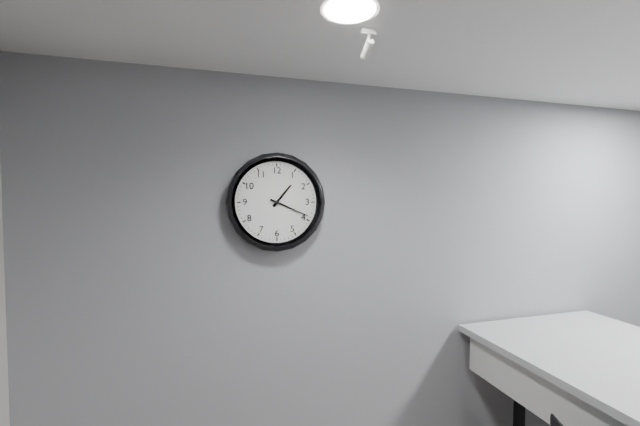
**1:19**
